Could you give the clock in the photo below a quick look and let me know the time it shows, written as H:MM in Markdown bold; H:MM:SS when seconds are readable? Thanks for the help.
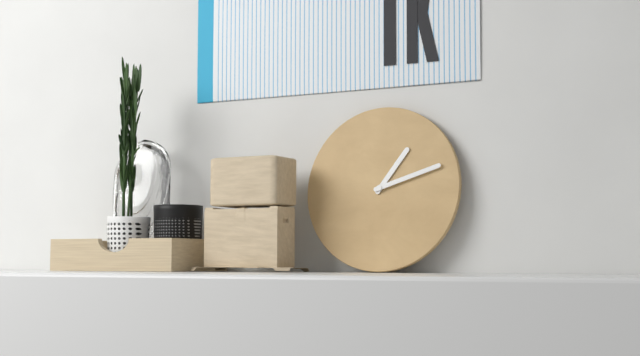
**1:12**
